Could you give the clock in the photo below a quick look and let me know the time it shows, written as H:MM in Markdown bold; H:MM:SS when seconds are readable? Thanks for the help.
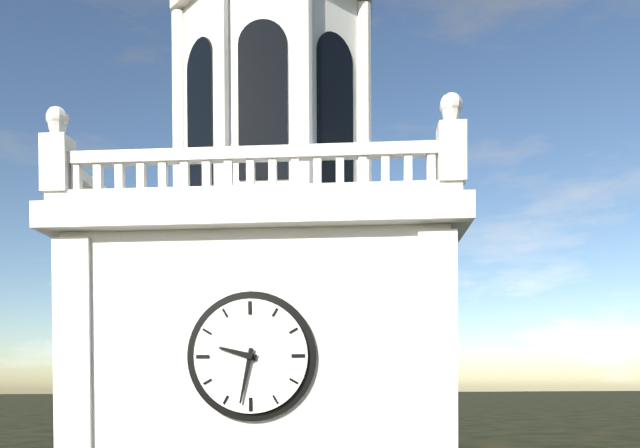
**9:32**
